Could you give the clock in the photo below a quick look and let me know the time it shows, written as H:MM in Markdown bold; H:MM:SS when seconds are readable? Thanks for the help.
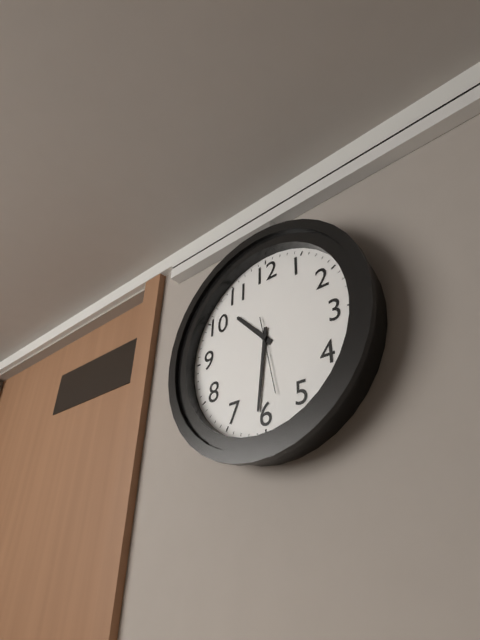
**10:31:28**
